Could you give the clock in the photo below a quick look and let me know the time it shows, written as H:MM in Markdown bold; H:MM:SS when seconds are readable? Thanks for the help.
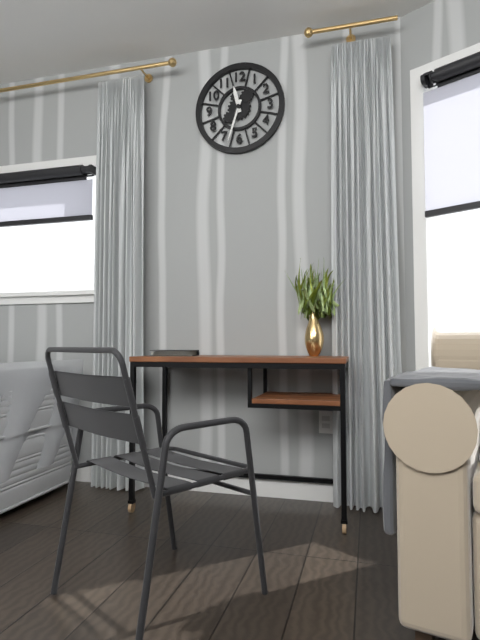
**11:33**
